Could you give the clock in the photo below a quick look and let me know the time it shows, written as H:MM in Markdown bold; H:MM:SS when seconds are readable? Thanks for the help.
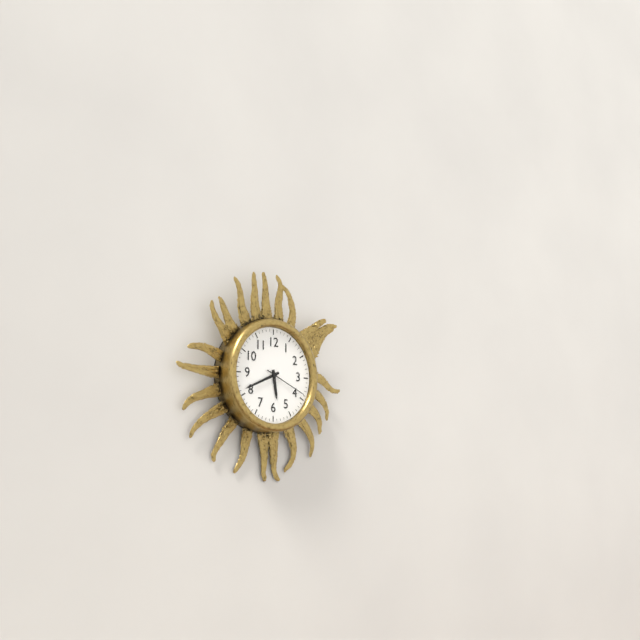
**5:41**
